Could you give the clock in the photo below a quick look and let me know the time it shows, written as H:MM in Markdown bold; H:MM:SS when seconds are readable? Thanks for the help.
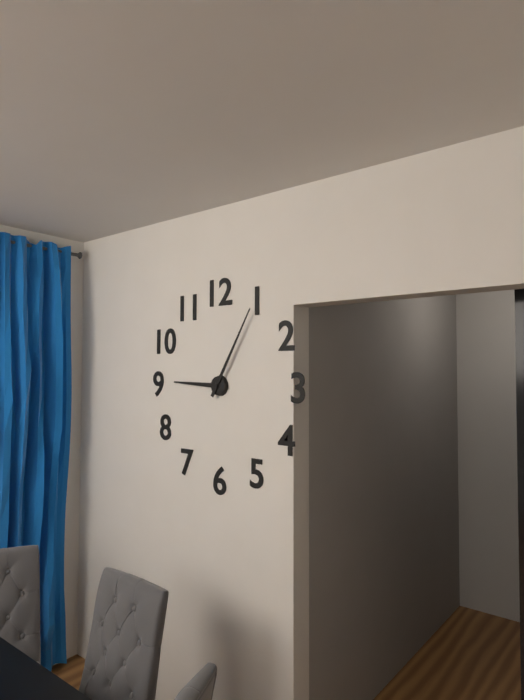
**9:05**
